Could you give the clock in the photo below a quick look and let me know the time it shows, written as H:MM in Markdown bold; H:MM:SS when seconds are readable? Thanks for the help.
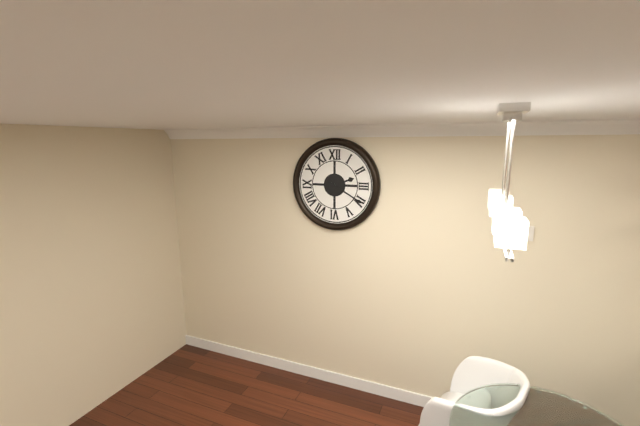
**2:20**
